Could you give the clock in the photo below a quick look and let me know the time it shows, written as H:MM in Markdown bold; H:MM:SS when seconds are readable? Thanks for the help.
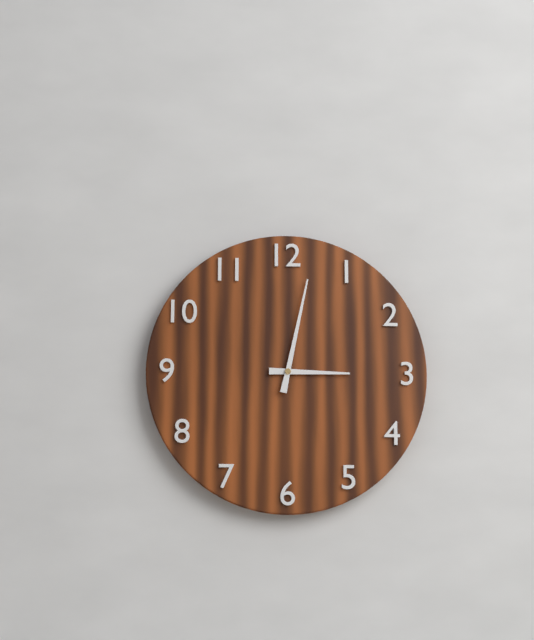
**3:02**
